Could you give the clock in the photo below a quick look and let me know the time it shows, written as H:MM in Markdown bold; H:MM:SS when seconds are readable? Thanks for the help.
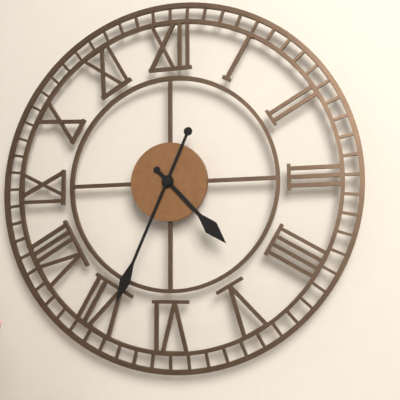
**4:34**
